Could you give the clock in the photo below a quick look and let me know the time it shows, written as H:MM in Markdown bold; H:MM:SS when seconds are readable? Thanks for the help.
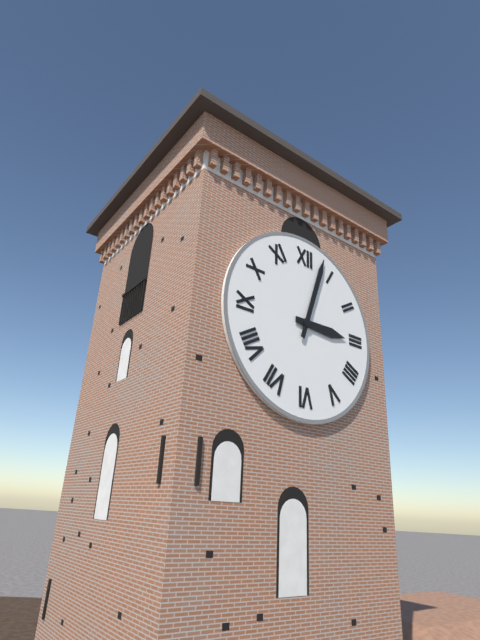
**3:03**
